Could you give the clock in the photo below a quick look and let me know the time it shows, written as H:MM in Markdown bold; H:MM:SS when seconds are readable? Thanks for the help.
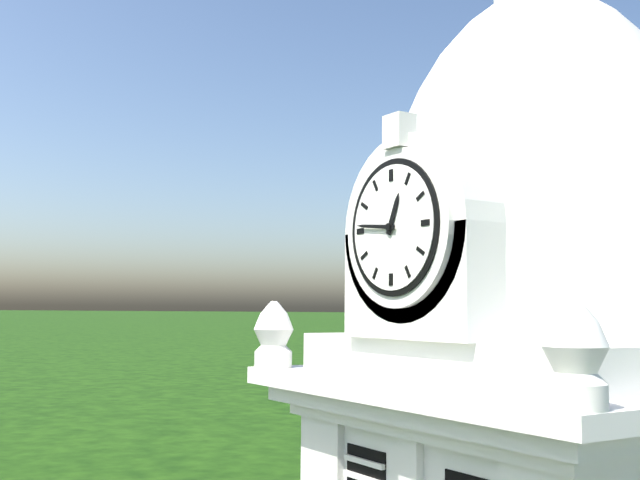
**12:46**
